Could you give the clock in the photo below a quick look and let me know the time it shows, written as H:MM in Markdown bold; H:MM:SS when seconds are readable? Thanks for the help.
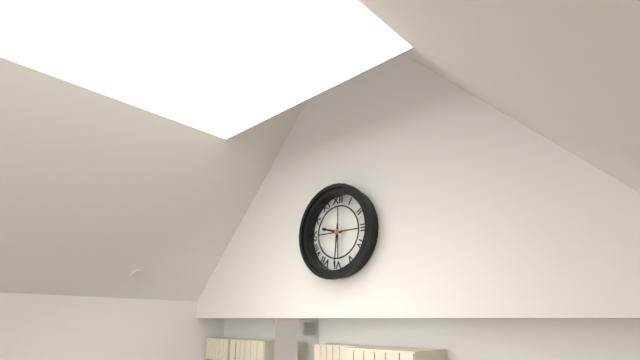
**9:31**
